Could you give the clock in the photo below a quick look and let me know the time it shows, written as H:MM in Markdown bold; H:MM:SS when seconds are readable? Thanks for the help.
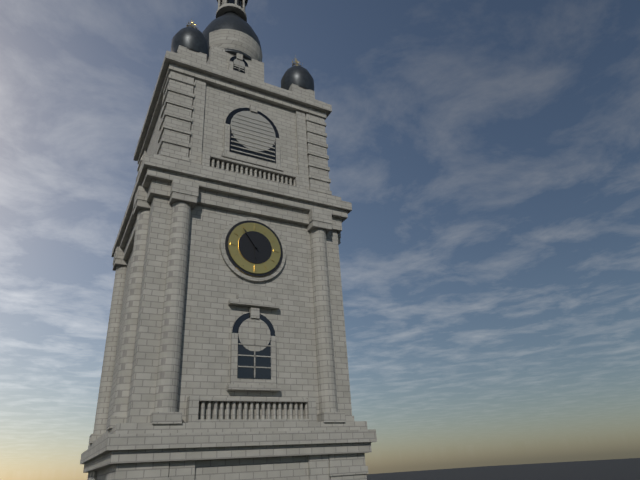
**5:54**
